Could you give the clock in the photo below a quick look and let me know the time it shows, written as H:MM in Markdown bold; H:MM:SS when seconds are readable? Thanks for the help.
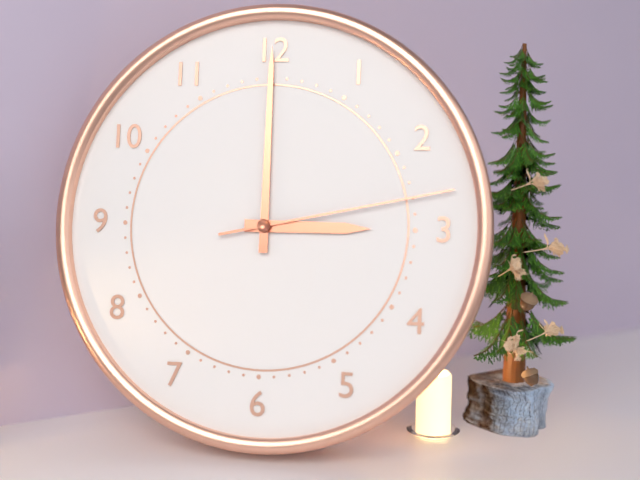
**3:00:13**
